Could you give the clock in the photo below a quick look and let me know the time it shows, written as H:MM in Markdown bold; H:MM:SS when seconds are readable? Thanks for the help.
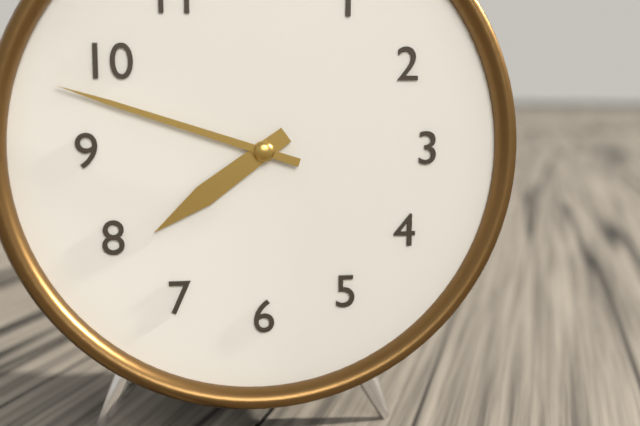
**7:48**
